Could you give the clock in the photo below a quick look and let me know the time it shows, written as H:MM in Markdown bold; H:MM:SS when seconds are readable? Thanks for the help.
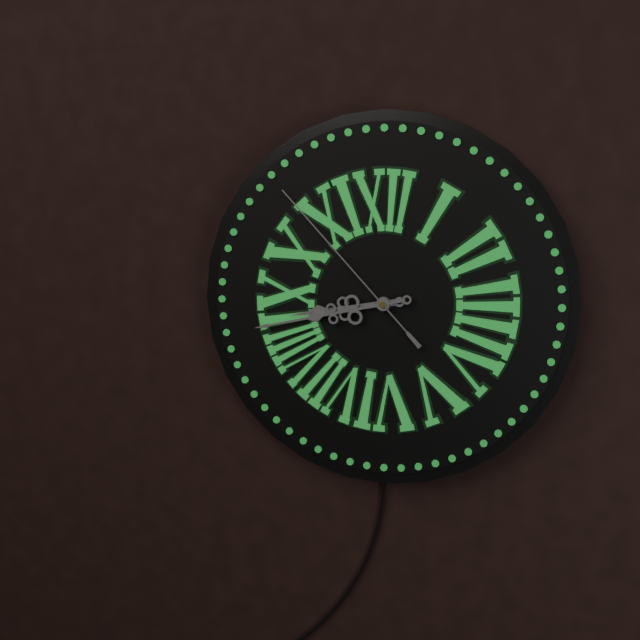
**8:43:53**
